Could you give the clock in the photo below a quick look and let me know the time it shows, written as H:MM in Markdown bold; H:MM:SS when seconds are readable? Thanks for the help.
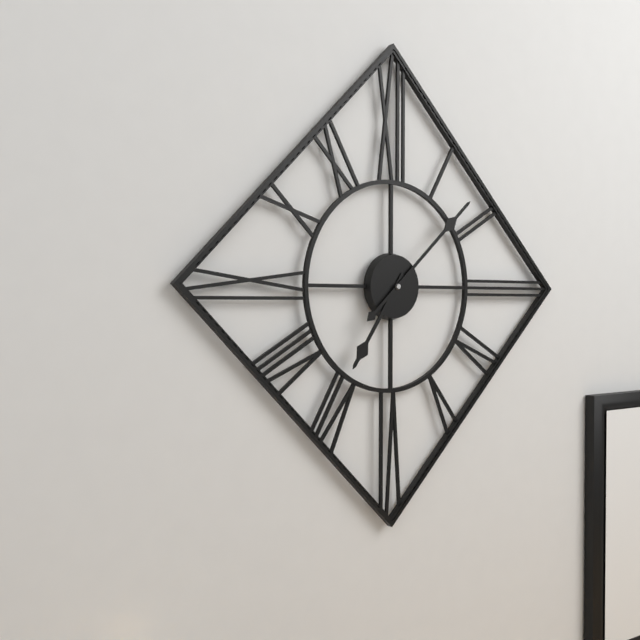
**7:08**
